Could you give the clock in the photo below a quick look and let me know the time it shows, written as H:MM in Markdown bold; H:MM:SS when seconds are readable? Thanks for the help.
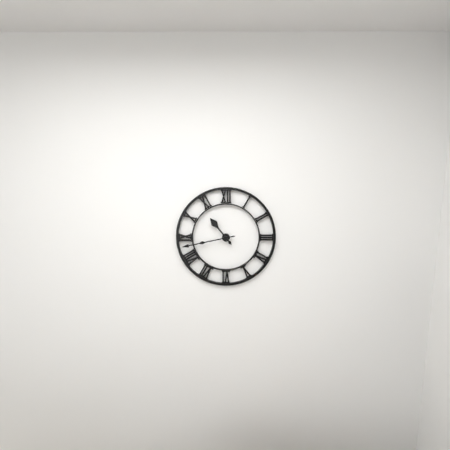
**10:43**
